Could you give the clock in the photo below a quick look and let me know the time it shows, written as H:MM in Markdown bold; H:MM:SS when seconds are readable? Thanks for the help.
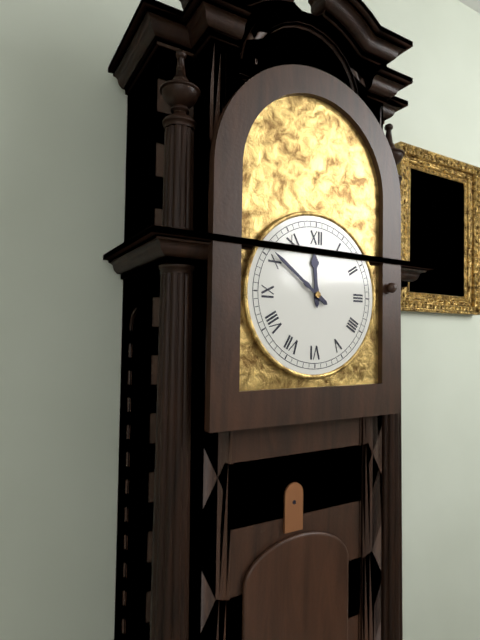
**11:51**
